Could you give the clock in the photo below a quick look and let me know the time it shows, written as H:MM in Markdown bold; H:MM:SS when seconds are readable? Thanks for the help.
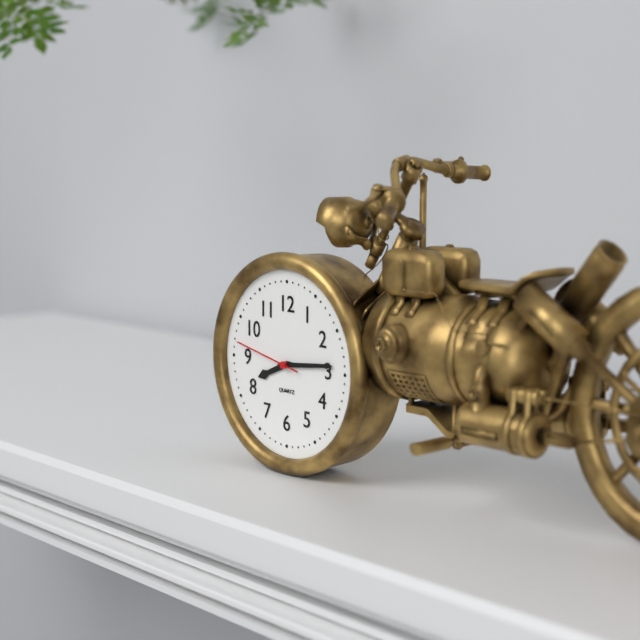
**8:14:47**
